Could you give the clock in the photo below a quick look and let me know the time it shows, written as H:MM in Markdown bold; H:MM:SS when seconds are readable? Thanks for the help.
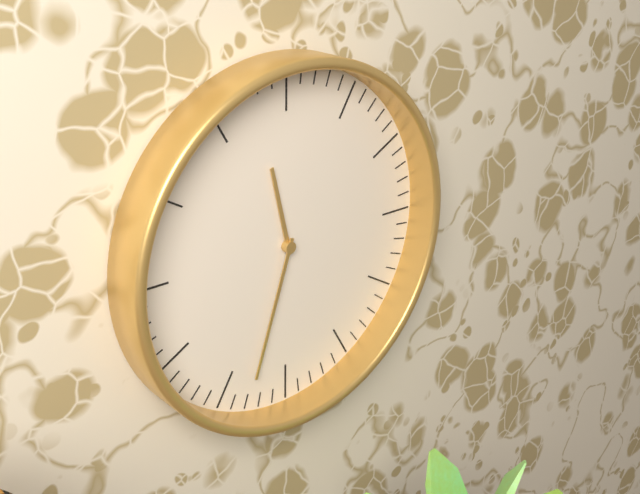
**11:33**
